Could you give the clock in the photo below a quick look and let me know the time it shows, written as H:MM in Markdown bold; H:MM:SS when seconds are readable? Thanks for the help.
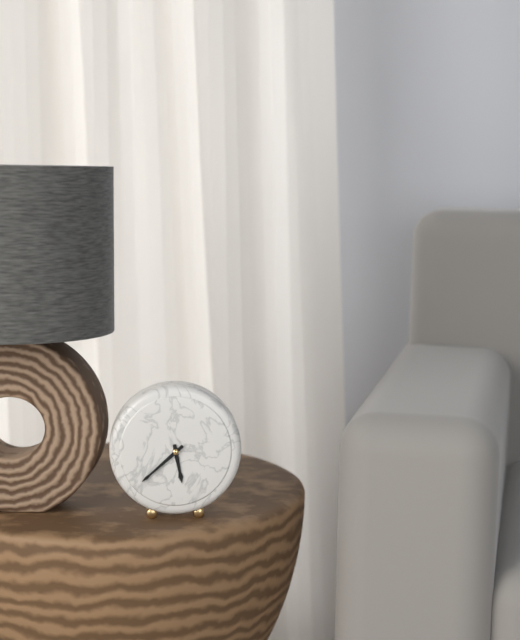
**5:38**
